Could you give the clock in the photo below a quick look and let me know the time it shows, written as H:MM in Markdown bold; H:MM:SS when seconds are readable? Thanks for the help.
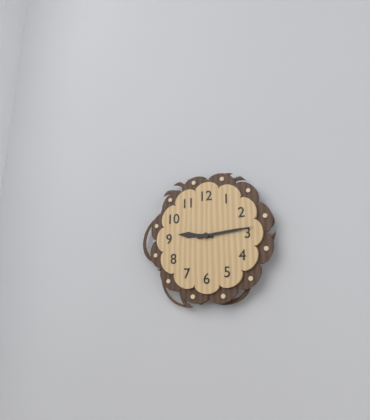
**9:14**
